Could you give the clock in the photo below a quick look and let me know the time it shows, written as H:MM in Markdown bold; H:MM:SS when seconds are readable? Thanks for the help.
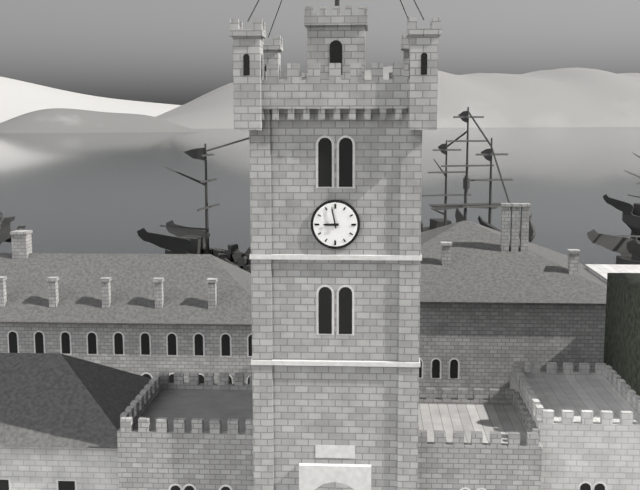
**8:58**
